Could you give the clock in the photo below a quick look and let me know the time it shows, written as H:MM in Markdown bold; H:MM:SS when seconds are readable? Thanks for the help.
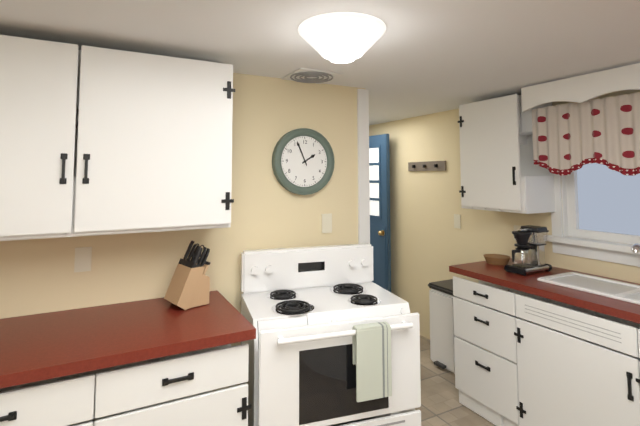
**1:56**
